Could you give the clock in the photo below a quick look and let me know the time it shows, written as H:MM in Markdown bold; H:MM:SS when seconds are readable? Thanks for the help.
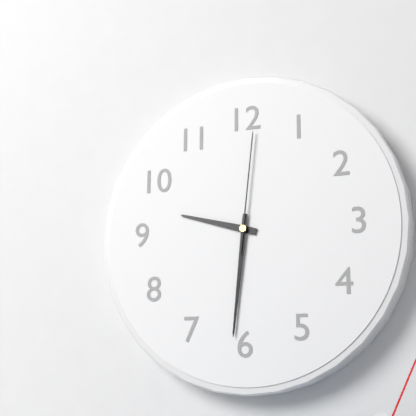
**9:31:01**
